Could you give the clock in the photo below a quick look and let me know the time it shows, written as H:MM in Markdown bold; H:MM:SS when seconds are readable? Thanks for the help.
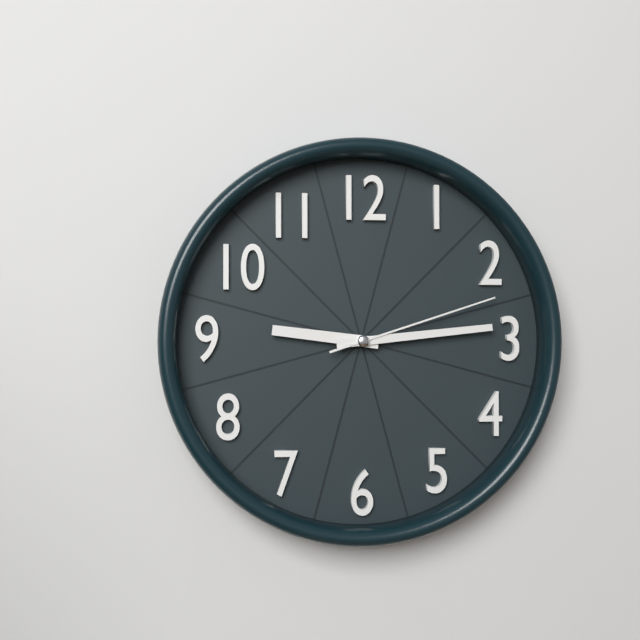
**9:14:12**
